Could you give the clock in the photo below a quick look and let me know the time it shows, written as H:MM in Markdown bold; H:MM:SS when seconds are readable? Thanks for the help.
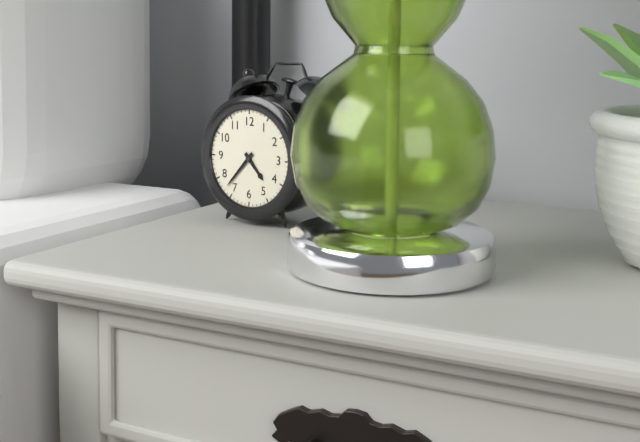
**4:37**
